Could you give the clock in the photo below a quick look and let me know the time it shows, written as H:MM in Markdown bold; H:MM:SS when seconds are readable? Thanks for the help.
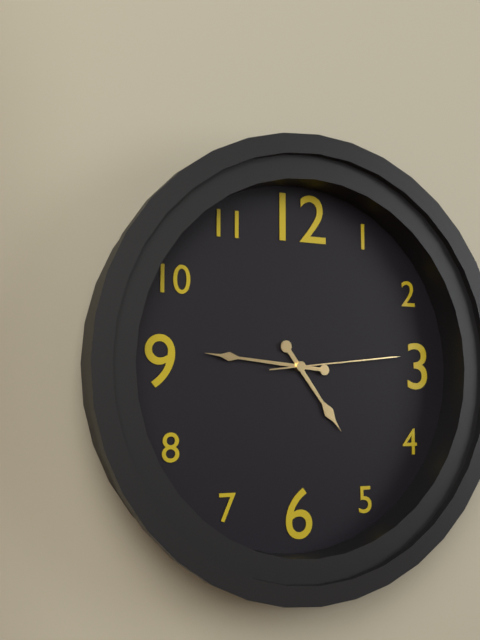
**4:46:14**
